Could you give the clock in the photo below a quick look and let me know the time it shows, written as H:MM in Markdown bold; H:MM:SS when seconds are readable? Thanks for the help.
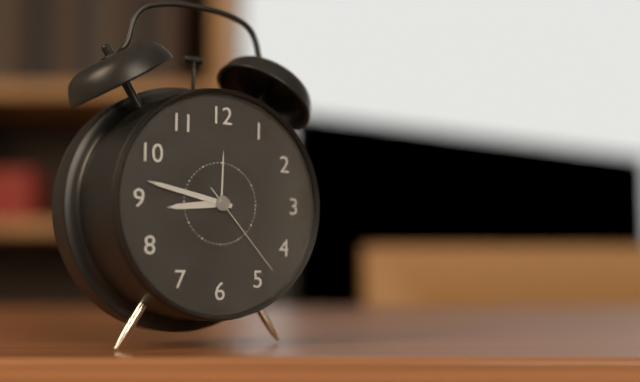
**8:47:23**
